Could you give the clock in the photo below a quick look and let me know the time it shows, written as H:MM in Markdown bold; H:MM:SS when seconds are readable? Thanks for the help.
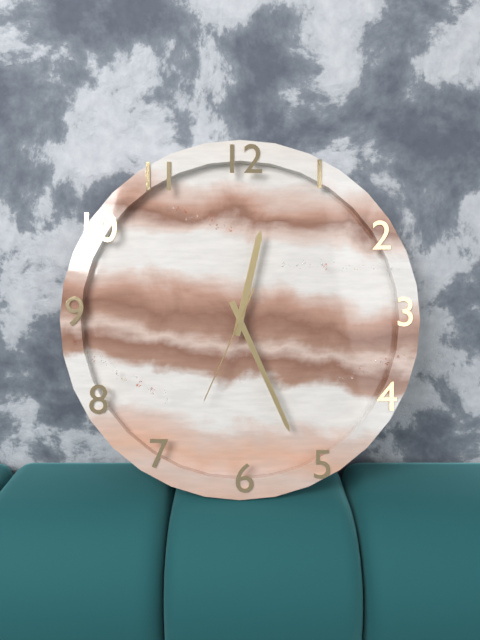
**12:26:34**
